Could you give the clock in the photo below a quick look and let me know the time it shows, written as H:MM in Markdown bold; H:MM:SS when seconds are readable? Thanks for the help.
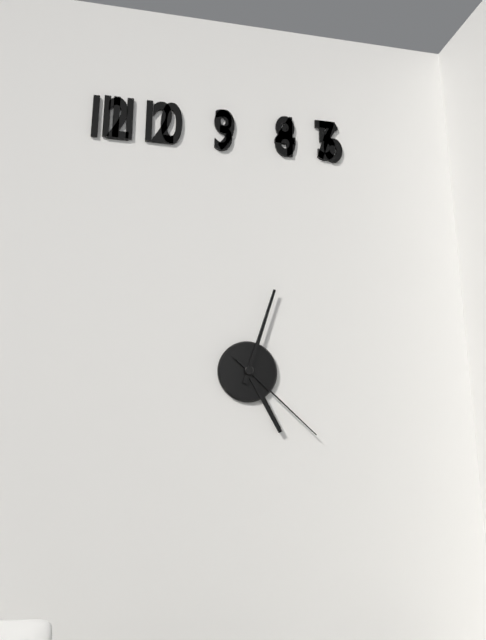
**5:03:22**
